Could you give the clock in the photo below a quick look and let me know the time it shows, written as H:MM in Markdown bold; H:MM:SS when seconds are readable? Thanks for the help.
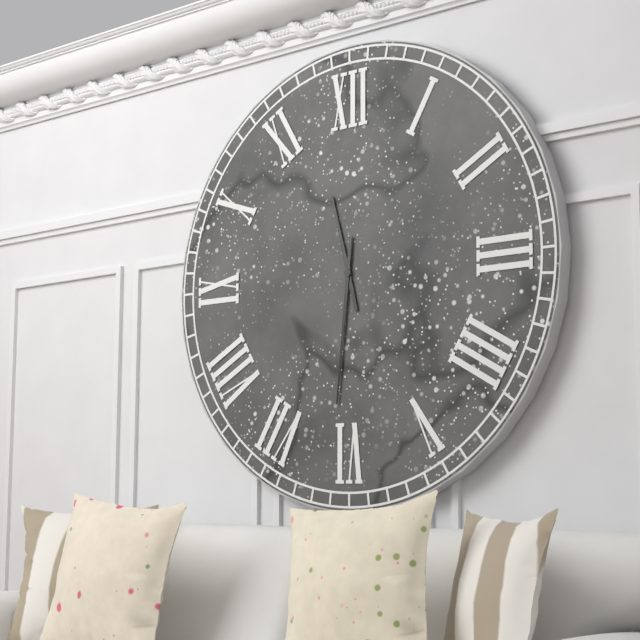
**11:31**
